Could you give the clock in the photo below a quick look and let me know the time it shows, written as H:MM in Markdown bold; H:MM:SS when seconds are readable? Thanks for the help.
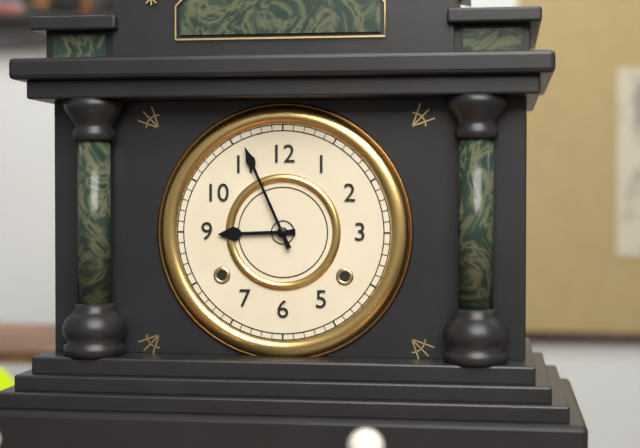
**8:56**
